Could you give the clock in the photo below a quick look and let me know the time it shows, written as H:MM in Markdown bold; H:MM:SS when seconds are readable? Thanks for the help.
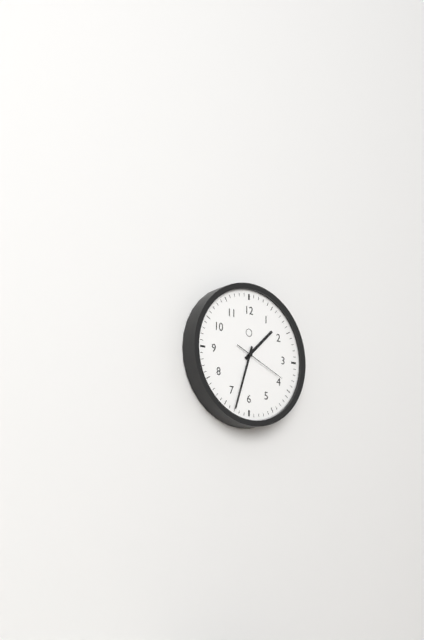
**1:33**
